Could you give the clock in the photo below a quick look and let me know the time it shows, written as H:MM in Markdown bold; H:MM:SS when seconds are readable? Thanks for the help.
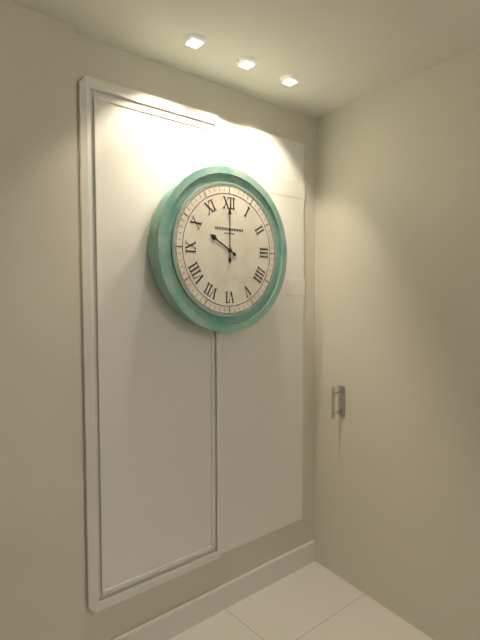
**10:00**
